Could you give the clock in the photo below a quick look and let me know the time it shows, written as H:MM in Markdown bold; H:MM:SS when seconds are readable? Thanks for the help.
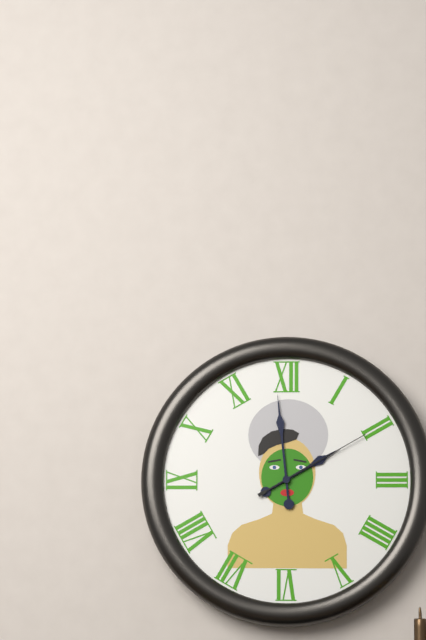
**1:59:10**
